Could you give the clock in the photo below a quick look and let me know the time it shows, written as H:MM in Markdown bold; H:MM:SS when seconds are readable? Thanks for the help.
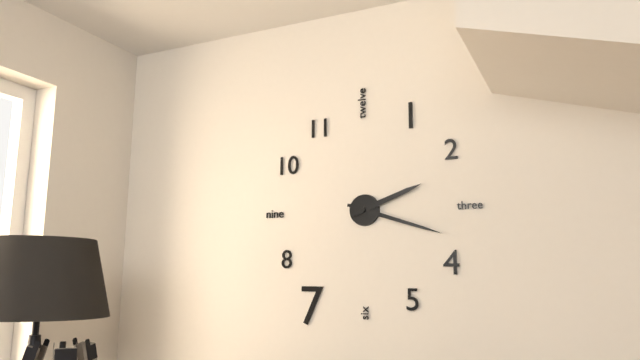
**2:18**
